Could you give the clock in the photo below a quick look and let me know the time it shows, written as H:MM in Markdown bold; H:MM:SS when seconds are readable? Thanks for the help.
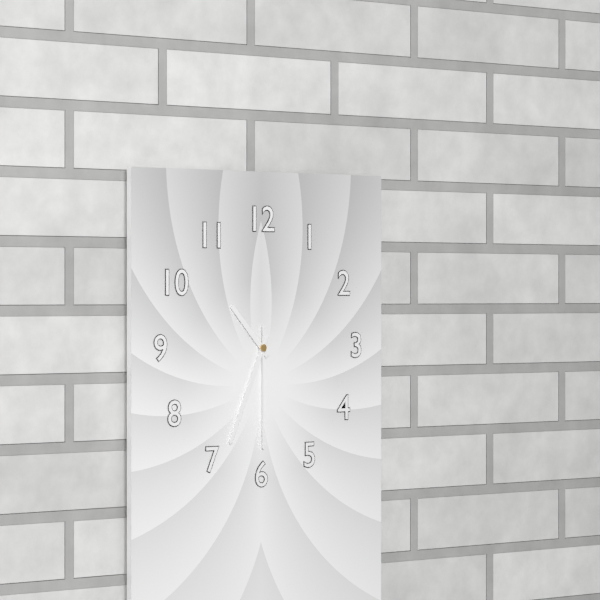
**10:34:30**
